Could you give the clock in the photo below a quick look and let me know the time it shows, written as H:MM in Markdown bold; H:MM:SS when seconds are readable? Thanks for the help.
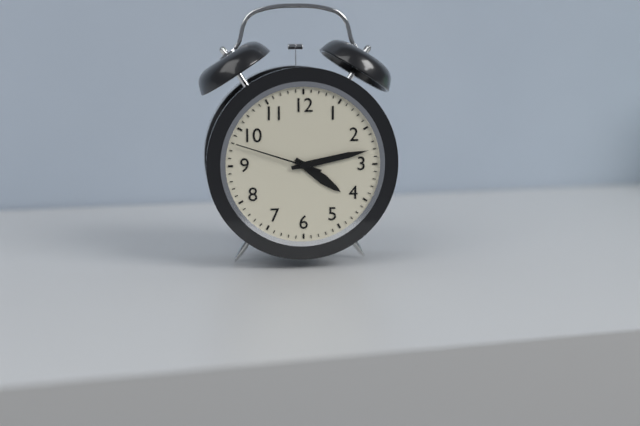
**4:13:48**
